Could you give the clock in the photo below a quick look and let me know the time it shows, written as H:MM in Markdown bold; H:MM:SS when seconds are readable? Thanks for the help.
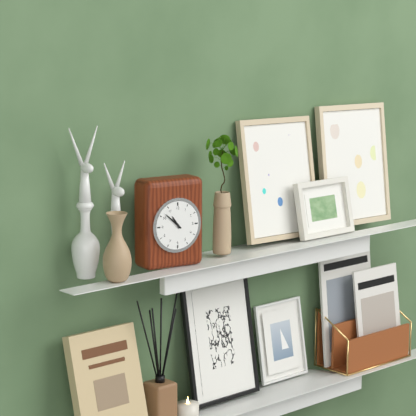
**10:52**
